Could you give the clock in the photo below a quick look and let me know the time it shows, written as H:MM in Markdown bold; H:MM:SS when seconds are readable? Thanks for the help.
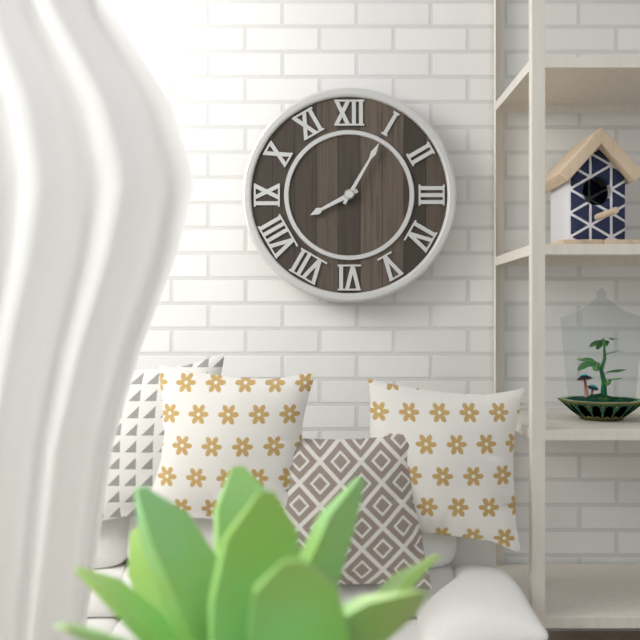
**8:05**
